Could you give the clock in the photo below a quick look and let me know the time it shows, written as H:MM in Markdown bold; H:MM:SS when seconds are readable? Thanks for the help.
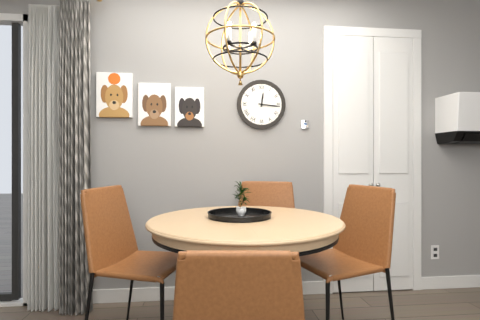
**12:16**
